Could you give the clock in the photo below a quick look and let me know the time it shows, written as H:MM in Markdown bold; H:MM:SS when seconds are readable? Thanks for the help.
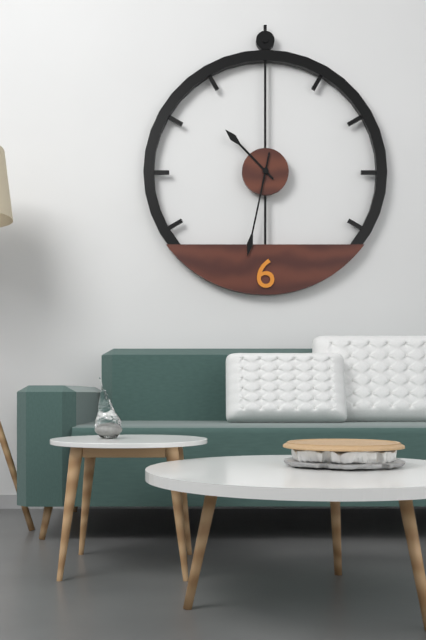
**10:32**
